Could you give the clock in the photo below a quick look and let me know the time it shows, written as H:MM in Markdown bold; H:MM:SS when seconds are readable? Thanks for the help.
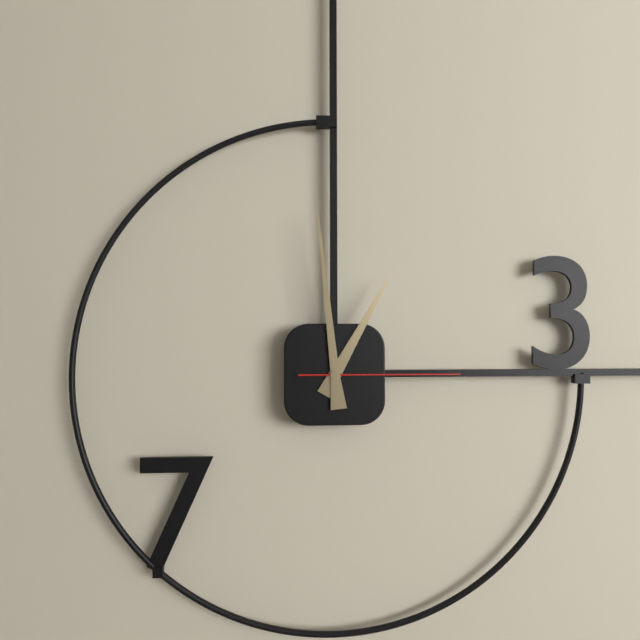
**12:59:15**
